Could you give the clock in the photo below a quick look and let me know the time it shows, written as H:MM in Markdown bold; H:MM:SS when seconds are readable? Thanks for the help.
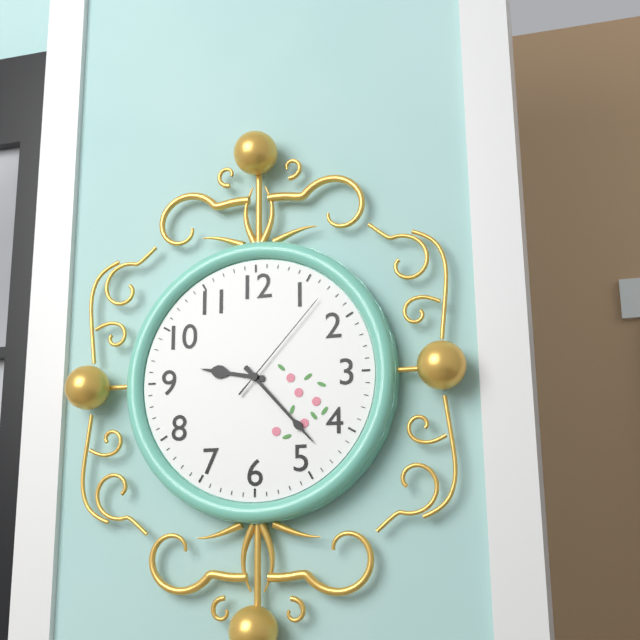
**9:23:07**
